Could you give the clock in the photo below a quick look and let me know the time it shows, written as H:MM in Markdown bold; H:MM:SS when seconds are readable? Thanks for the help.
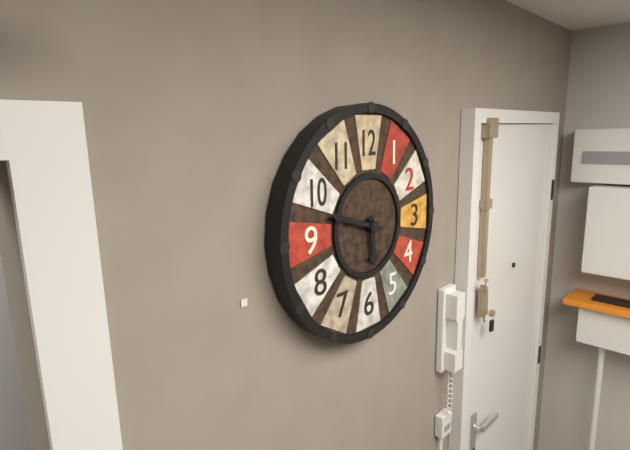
**5:48**
